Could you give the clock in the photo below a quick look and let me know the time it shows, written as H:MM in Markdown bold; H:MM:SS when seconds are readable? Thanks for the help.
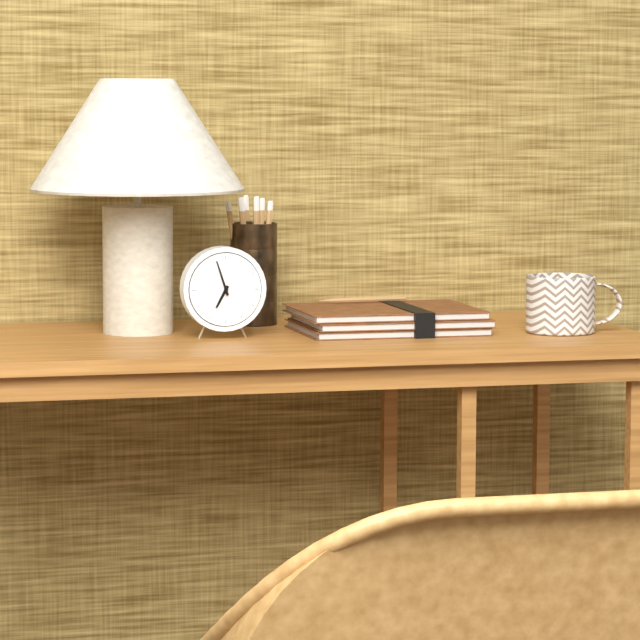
**6:57**
